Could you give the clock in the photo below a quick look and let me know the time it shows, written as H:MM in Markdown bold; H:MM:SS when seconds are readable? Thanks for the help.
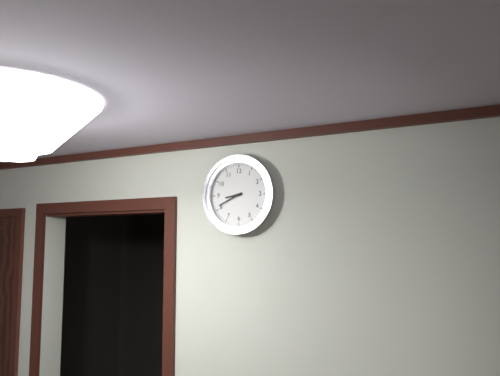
**8:41**
